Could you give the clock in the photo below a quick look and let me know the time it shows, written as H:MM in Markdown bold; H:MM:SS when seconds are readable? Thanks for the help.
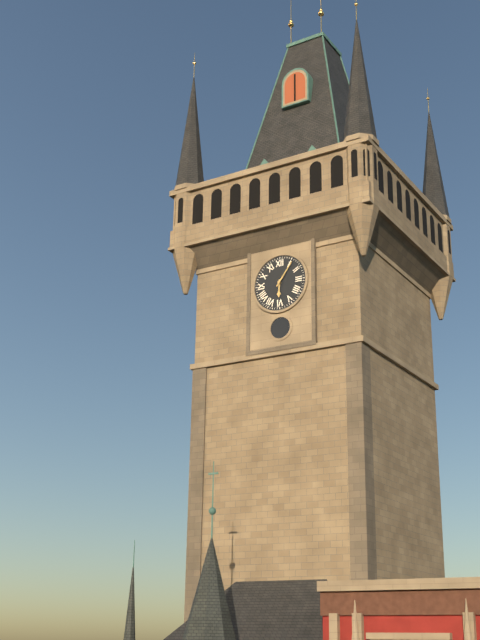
**6:06**
